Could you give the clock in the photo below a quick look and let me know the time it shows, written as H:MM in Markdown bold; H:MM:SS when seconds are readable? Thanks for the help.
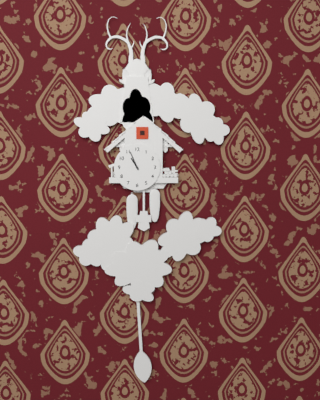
**10:56**
